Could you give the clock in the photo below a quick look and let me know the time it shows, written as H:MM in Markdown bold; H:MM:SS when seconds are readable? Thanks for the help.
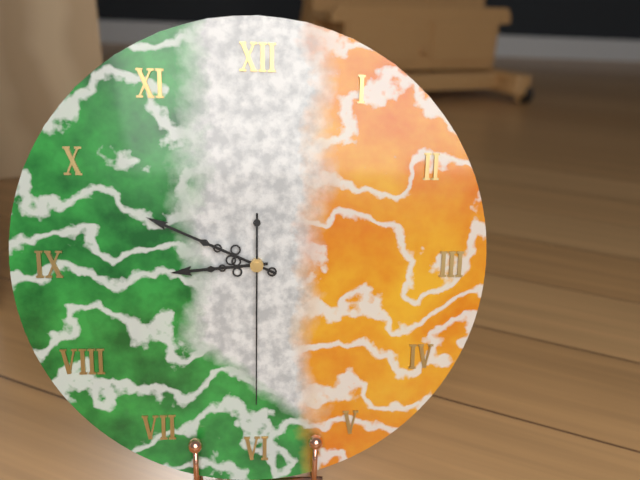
**8:49:30**
